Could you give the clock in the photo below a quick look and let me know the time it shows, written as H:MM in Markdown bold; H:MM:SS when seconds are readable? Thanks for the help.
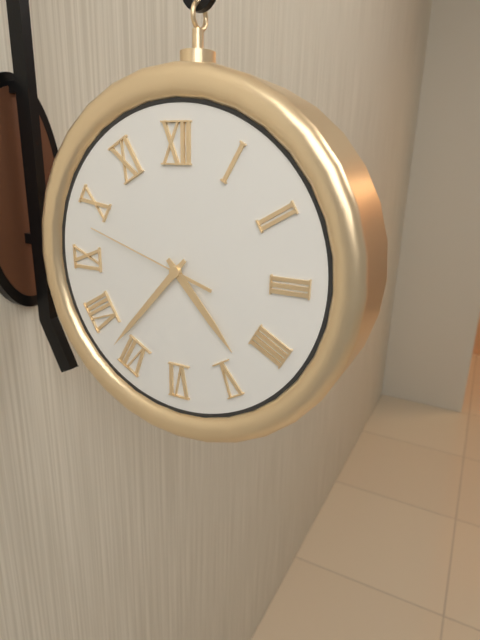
**4:37:48**
